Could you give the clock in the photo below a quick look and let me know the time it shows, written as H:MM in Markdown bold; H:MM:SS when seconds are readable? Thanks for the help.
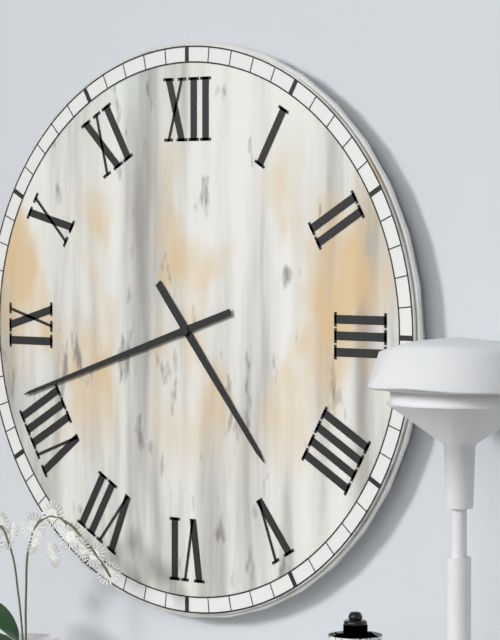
**4:42**
